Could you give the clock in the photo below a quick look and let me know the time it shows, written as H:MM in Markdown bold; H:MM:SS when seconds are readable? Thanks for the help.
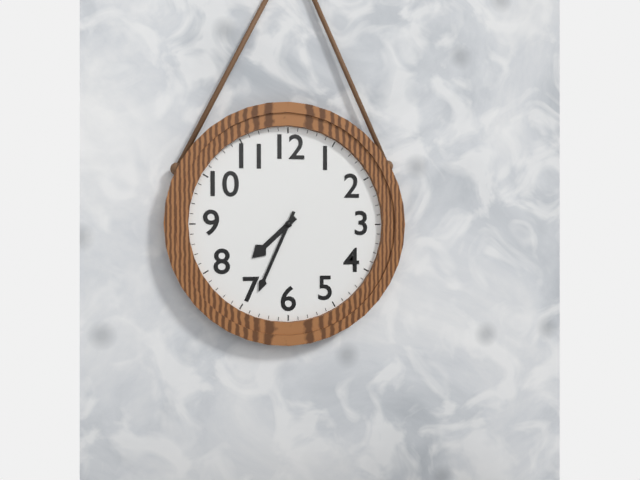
**7:34**
